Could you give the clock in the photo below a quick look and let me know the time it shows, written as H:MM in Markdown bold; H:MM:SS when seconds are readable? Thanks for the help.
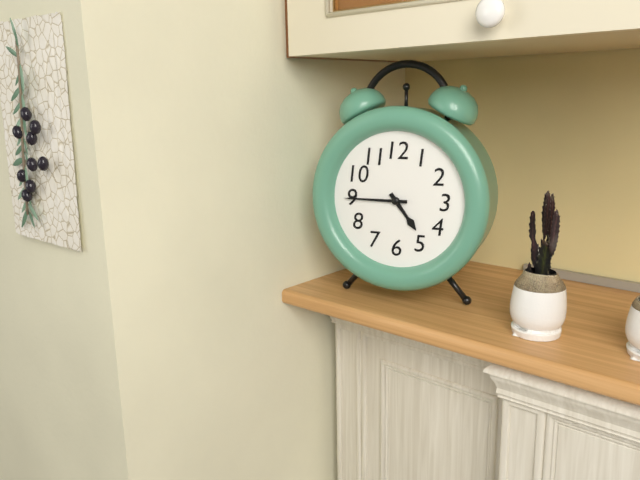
**4:45**
